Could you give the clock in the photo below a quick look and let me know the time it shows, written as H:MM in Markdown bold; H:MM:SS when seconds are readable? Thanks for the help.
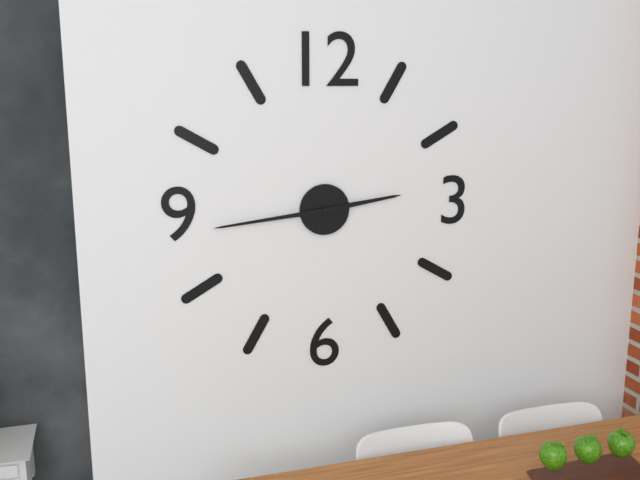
**2:44**
